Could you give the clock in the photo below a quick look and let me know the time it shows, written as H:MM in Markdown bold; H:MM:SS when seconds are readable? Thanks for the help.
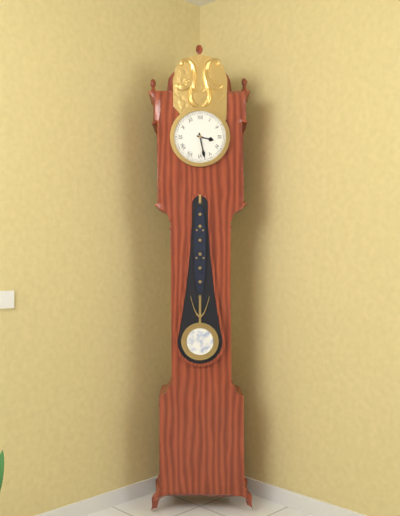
**3:28**
